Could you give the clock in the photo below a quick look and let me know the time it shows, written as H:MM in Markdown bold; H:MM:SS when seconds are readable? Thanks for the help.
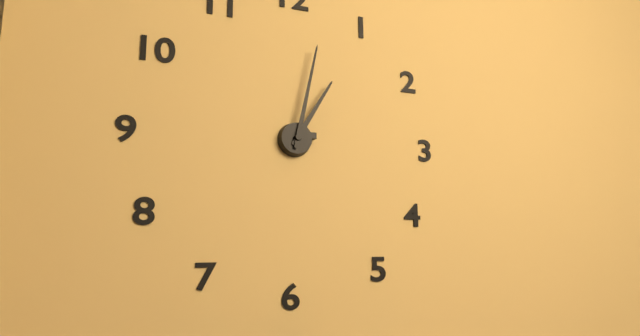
**1:02**
